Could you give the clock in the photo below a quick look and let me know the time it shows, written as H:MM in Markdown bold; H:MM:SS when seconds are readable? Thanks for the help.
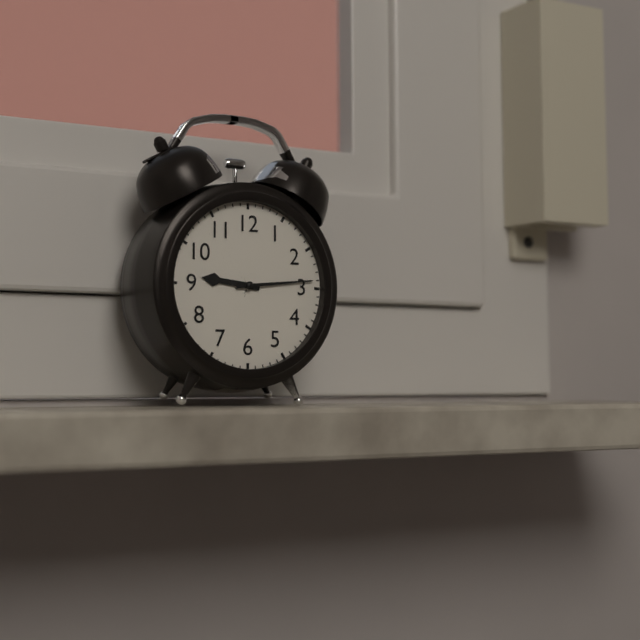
**9:14**
